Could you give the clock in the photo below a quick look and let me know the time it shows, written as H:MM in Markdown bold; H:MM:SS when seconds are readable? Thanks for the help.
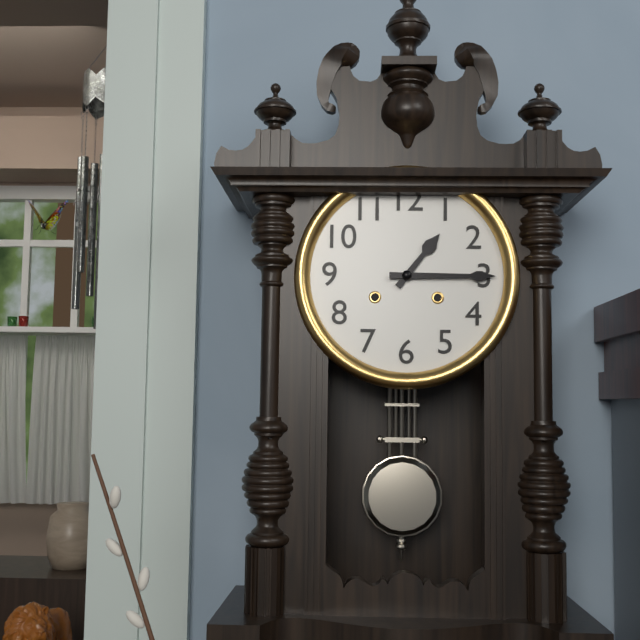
**1:15**
